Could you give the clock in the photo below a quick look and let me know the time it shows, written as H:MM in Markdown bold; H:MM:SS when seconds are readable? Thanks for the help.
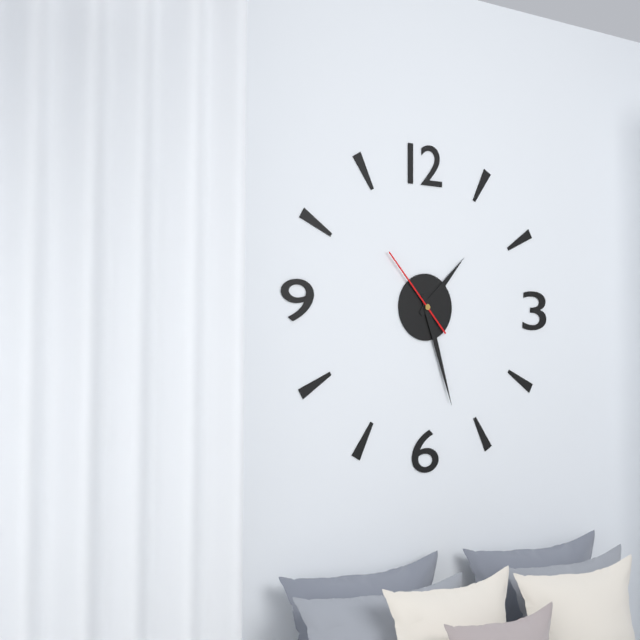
**1:27:53**
